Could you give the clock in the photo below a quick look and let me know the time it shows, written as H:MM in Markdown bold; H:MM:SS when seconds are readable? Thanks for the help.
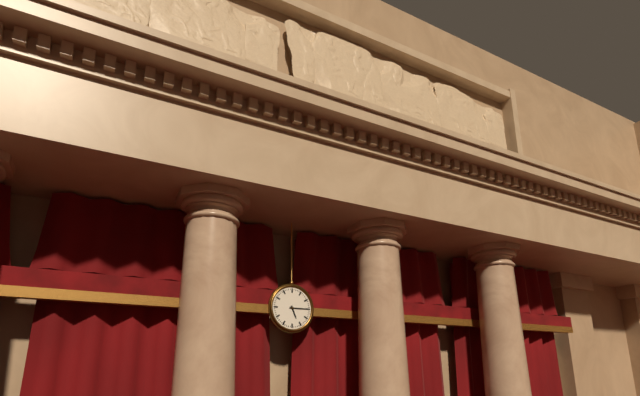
**5:15**
